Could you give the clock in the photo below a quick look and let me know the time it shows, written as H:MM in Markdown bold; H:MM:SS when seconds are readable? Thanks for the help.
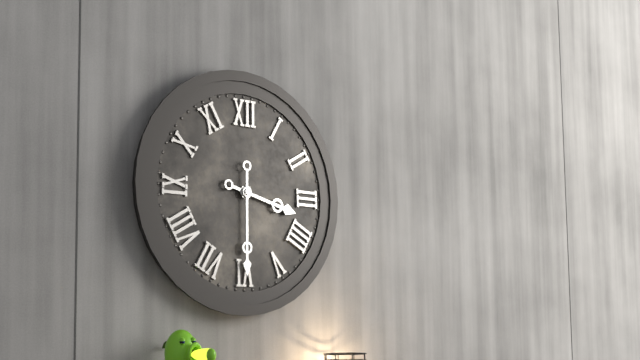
**3:30**
